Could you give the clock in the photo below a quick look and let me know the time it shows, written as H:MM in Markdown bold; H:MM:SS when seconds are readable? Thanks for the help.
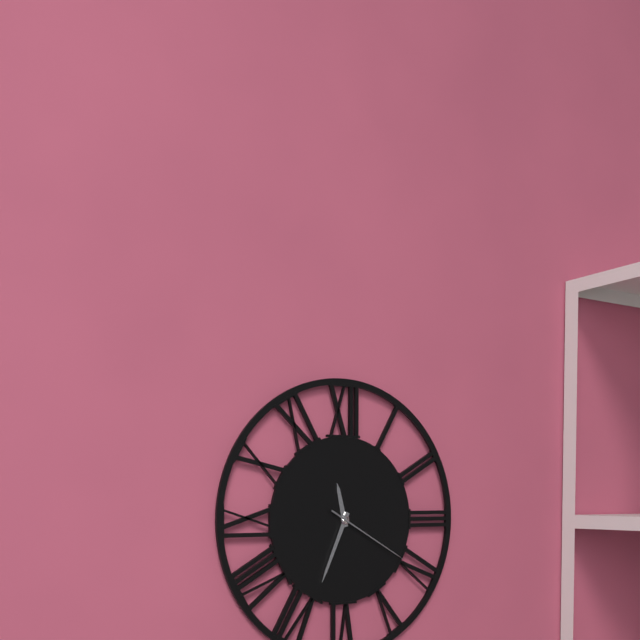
**11:34:20**
